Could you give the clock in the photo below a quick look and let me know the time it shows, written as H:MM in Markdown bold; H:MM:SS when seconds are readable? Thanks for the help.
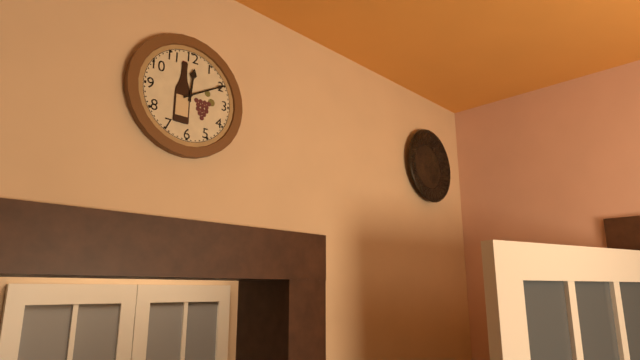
**12:10**
